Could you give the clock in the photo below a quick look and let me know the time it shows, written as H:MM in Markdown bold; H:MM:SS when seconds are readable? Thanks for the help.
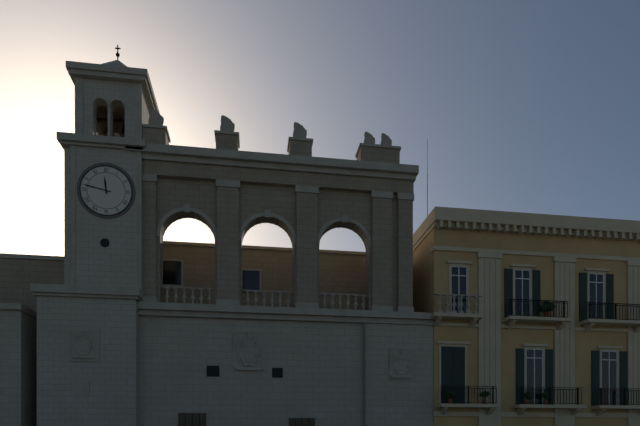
**11:47**
